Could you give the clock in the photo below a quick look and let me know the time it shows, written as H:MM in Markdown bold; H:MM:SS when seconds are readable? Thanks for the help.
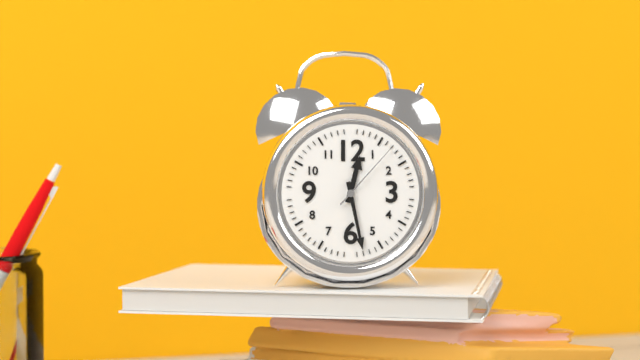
**12:28:07**
